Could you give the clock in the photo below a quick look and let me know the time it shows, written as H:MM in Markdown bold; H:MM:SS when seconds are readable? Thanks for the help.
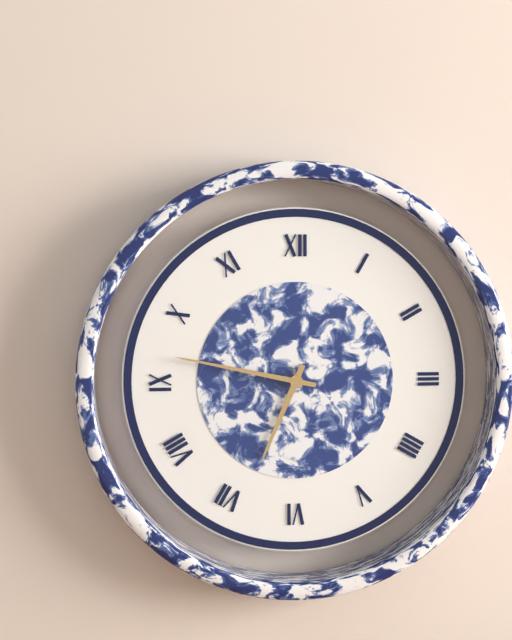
**6:47**
